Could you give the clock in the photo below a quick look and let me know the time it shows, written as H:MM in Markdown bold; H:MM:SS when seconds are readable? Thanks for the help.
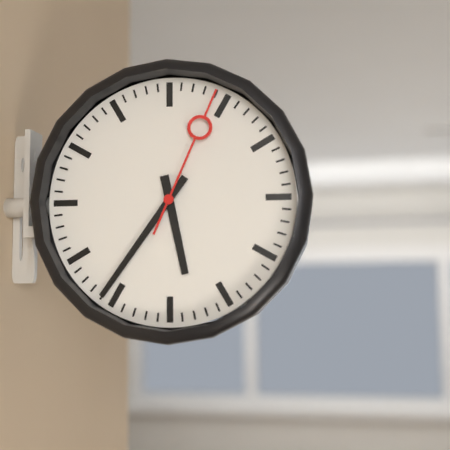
**5:36:04**
